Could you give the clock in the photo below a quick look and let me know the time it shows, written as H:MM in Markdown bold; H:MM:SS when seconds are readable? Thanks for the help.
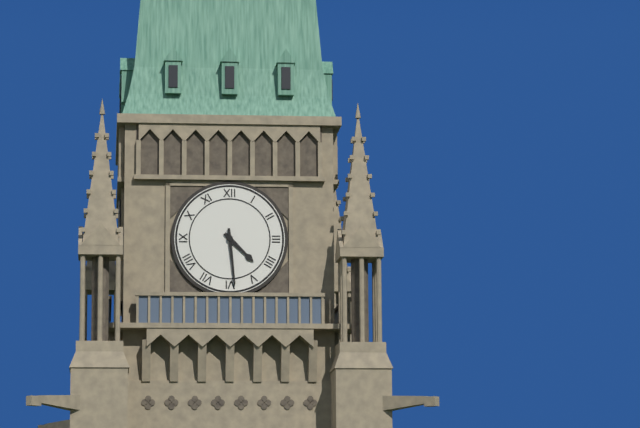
**4:29**
